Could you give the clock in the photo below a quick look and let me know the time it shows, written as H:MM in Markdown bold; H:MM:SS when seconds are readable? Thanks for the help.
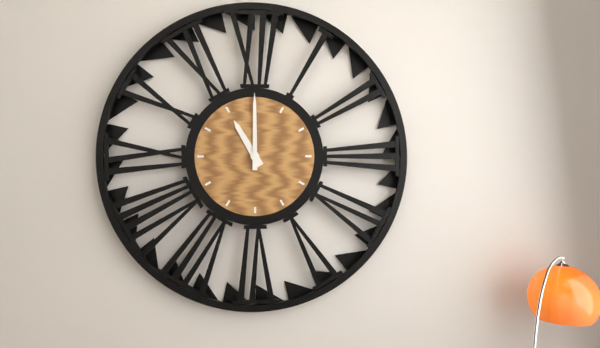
**11:00**
